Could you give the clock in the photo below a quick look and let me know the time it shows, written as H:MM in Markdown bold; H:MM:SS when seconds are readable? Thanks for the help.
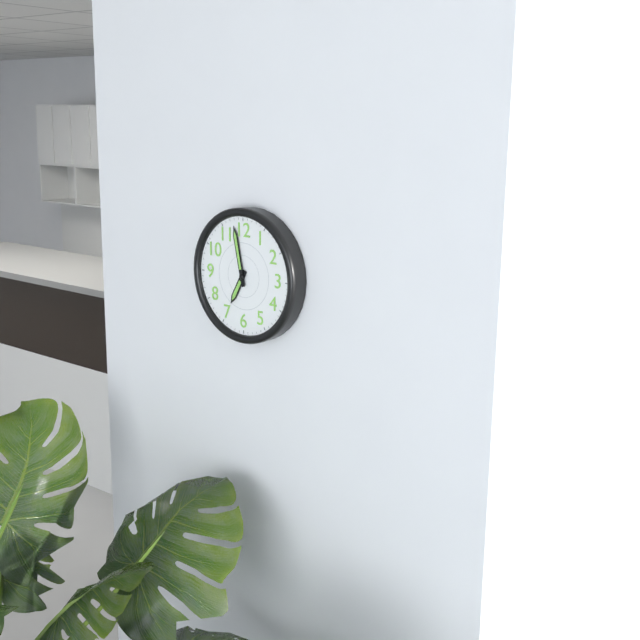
**6:58**
